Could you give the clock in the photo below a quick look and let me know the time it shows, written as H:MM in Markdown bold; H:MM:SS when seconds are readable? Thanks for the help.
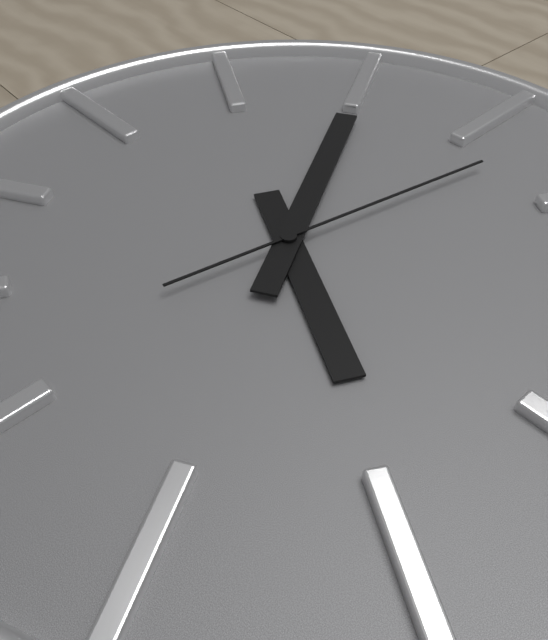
**3:55:02**
